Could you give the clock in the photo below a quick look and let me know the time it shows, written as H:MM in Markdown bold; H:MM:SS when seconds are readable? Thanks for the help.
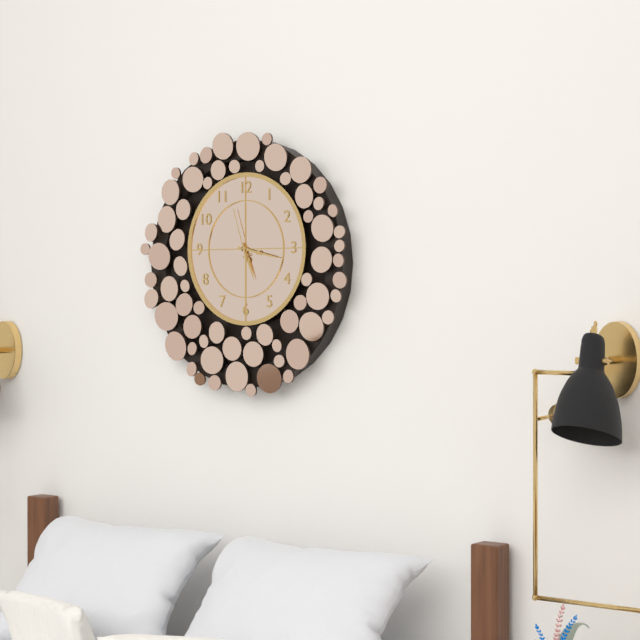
**5:17:57**
